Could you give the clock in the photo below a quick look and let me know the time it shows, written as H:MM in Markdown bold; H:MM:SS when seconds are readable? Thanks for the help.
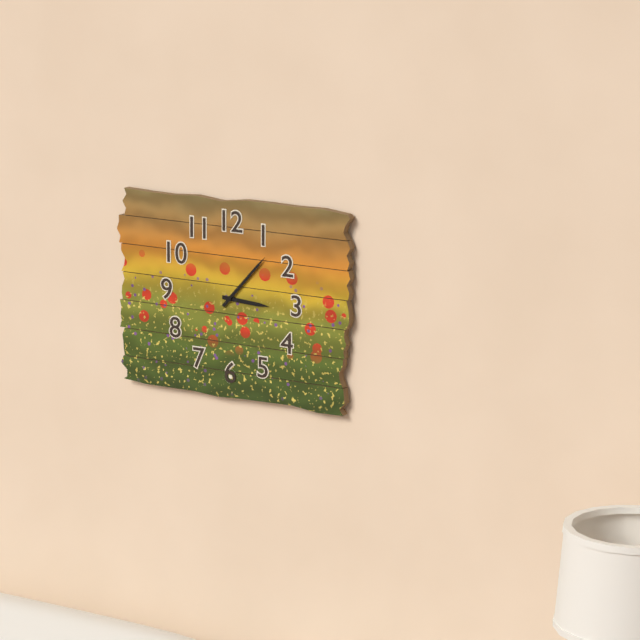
**3:07**
